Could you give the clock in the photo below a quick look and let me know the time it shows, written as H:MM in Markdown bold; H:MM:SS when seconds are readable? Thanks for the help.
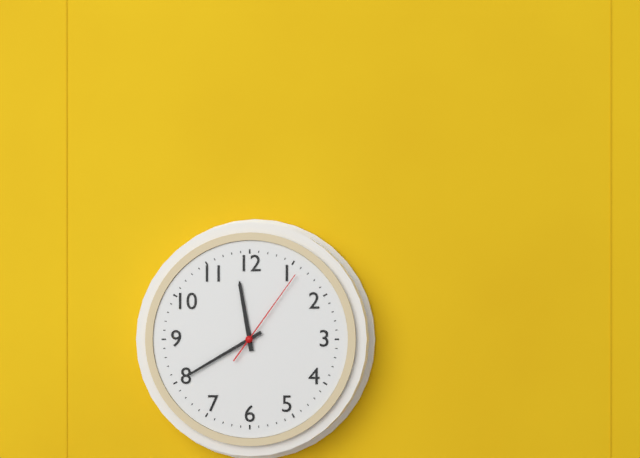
**11:40:06**
